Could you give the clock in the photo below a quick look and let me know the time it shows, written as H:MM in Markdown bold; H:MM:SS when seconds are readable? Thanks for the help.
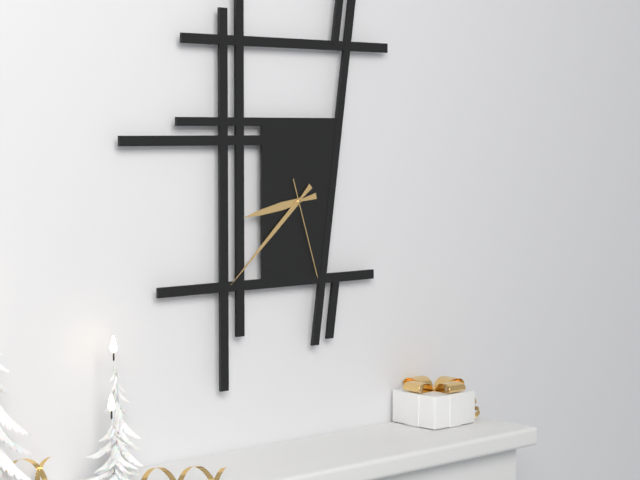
**8:38:27**
